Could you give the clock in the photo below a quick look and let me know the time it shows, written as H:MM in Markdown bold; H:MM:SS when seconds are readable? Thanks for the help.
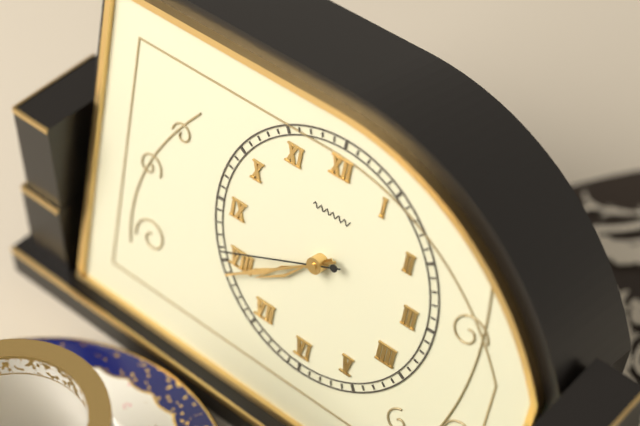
**7:39:41**
